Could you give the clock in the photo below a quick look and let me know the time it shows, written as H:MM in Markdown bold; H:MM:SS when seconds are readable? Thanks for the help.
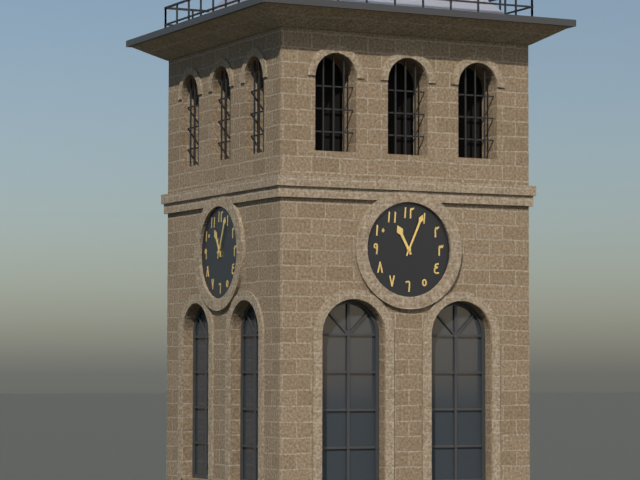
**11:04**
